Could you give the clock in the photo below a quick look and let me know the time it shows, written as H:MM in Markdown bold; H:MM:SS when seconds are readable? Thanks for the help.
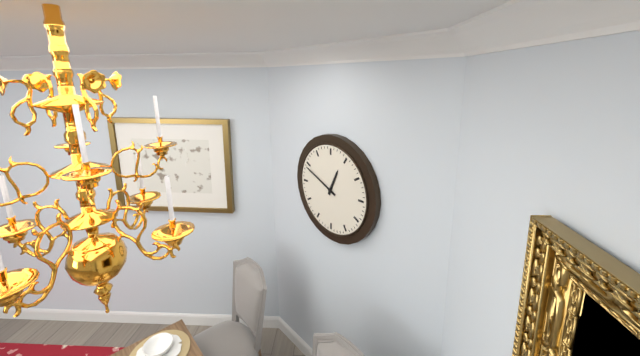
**12:49**
